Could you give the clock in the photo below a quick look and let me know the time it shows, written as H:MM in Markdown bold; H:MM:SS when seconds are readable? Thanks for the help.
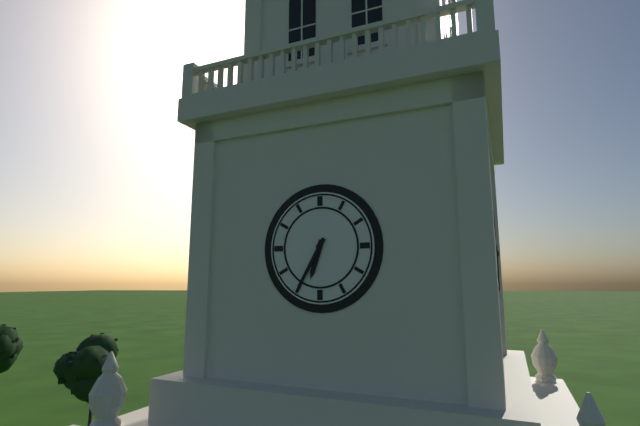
**6:35**
